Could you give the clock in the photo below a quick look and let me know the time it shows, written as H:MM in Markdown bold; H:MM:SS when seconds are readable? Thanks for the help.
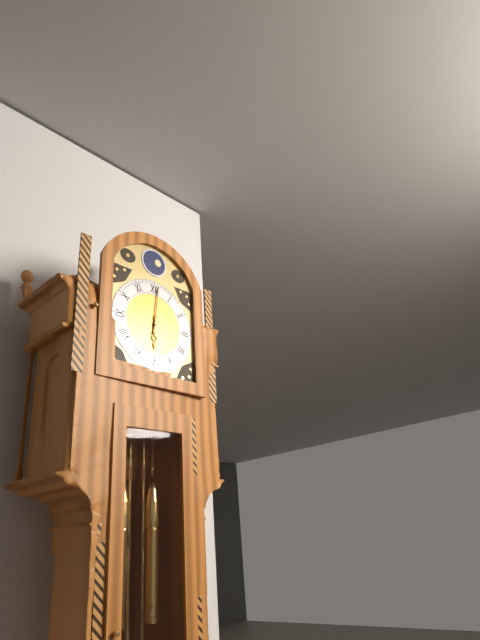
**6:01**
